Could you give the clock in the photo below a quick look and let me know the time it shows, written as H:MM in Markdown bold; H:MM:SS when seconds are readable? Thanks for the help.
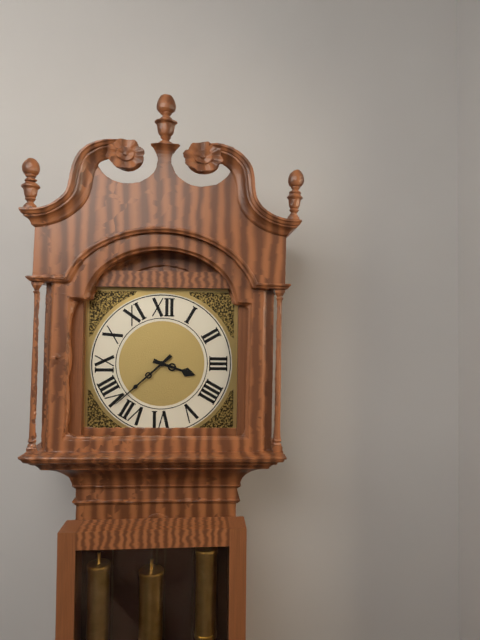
**3:38**
